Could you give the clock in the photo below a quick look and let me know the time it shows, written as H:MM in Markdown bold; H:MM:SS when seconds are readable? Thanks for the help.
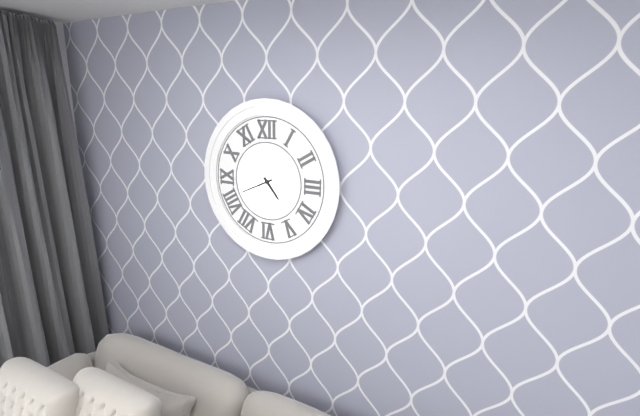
**4:41**
